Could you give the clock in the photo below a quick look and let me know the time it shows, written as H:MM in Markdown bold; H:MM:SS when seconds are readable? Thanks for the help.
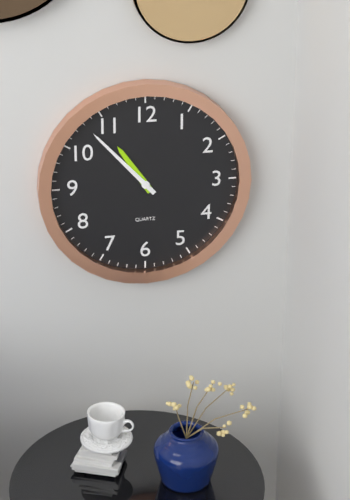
**10:53**
